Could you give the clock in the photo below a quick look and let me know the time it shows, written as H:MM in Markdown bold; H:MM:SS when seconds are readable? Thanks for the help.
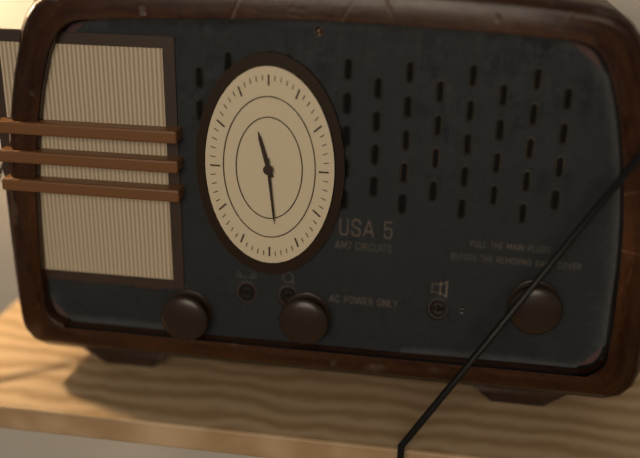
**11:29**
